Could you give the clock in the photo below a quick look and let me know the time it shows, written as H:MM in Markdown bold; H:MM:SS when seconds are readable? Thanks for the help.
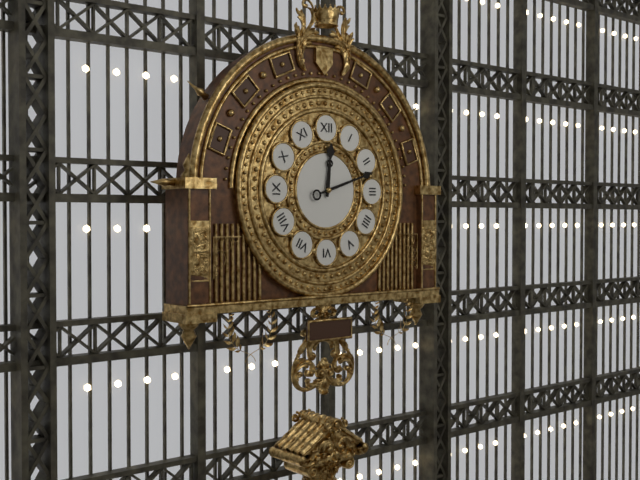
**12:12**
